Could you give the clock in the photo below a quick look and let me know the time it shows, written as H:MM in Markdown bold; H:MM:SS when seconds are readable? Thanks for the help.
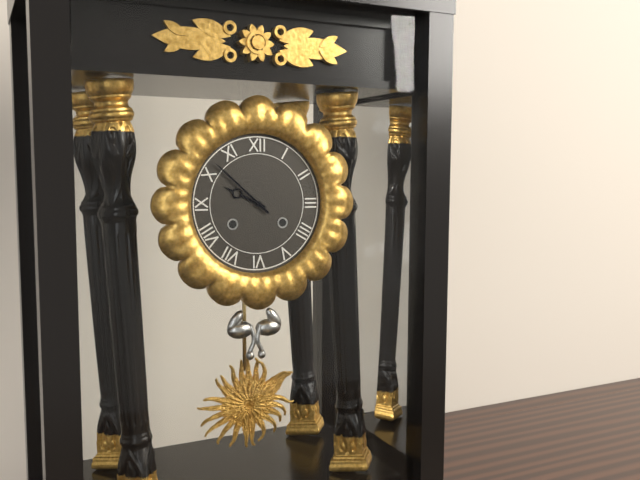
**9:52**
